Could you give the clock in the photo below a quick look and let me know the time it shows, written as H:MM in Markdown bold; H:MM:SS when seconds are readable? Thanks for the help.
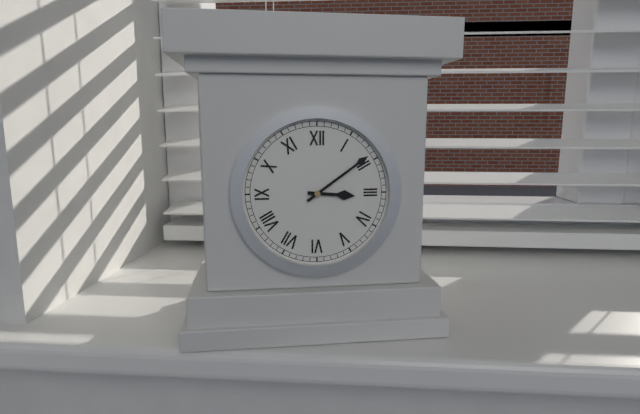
**3:09**
